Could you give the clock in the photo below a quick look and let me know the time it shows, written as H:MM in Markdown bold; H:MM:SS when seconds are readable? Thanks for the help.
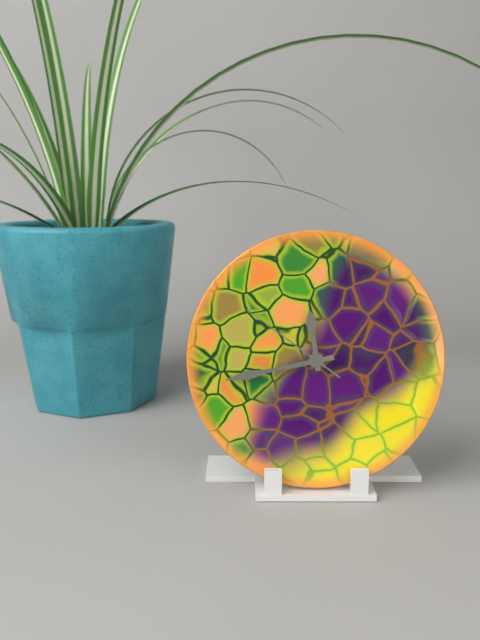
**11:43:51**
